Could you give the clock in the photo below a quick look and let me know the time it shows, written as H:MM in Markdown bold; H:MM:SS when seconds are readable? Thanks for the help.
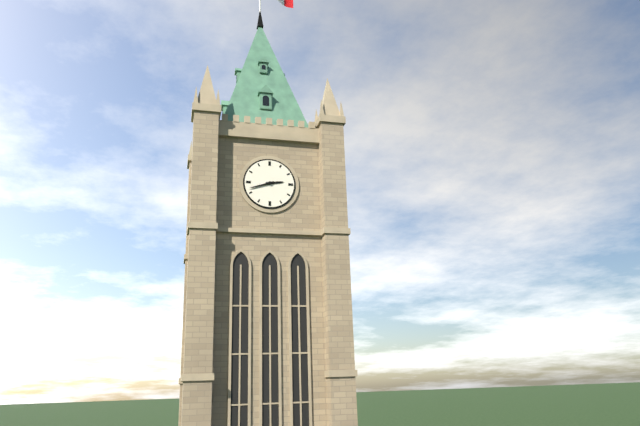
**2:42**
